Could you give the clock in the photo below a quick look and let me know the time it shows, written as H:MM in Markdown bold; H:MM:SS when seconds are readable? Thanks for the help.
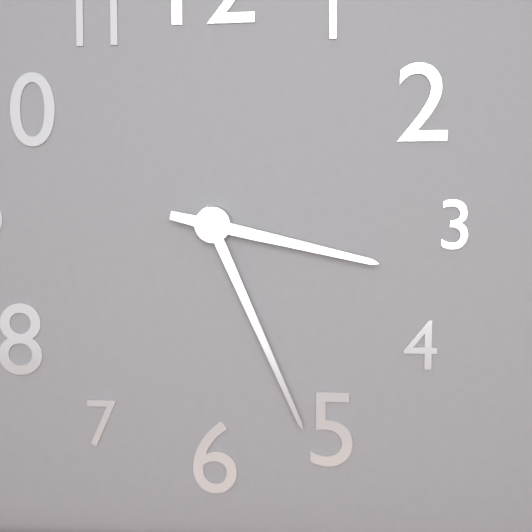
**3:26**
